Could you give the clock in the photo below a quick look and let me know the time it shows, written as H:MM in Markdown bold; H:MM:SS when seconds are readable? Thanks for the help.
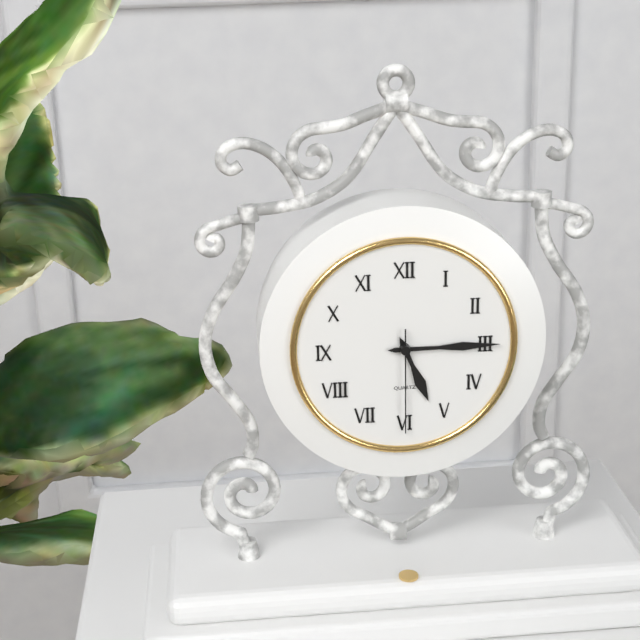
**5:15:30**
